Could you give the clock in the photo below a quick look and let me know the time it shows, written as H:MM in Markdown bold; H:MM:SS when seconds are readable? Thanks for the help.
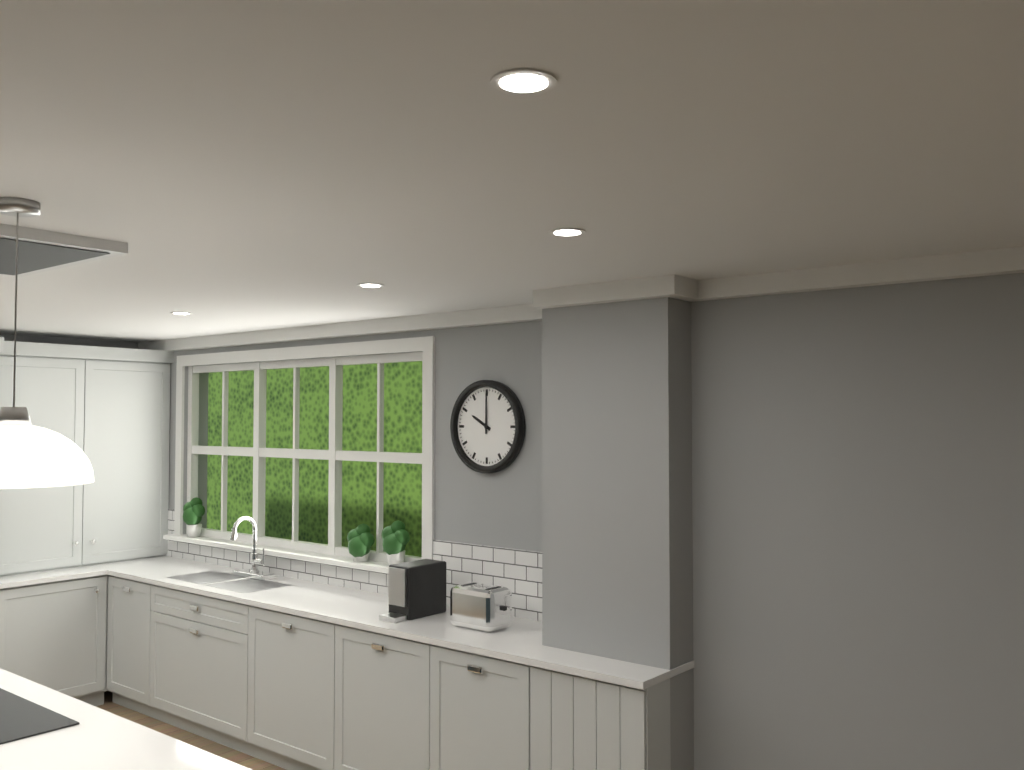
**10:00**
